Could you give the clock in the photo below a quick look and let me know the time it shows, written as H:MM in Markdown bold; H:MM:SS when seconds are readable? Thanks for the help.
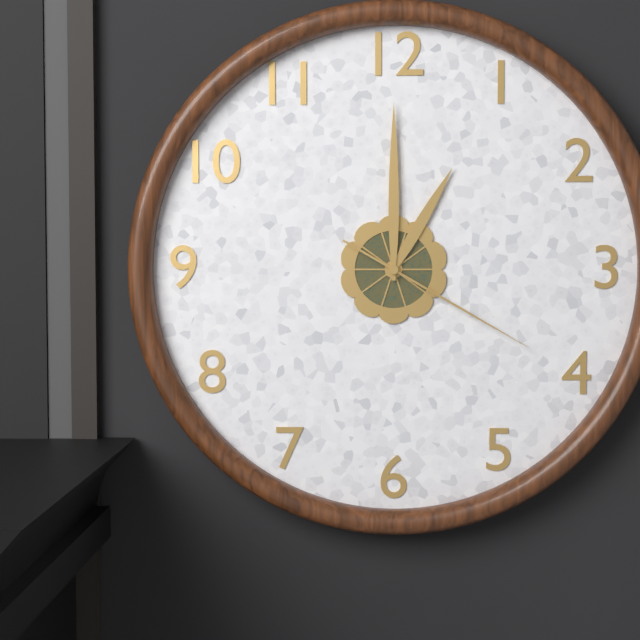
**1:00:20**
